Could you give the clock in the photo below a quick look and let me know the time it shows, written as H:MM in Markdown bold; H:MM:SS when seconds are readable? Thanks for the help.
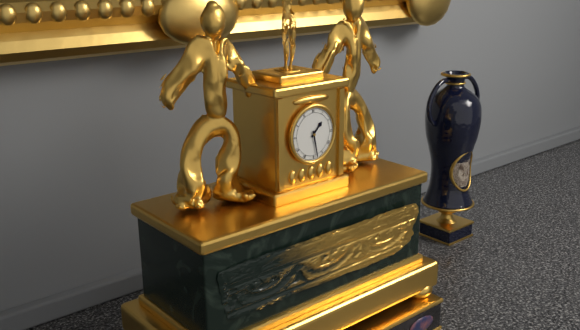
**1:28**
